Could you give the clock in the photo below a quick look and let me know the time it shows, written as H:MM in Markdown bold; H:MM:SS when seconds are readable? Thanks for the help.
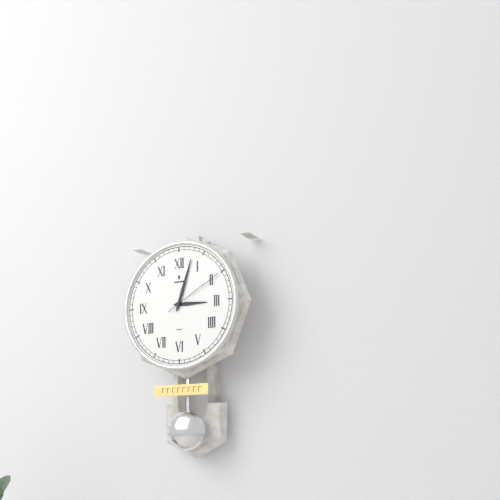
**3:03:10**
